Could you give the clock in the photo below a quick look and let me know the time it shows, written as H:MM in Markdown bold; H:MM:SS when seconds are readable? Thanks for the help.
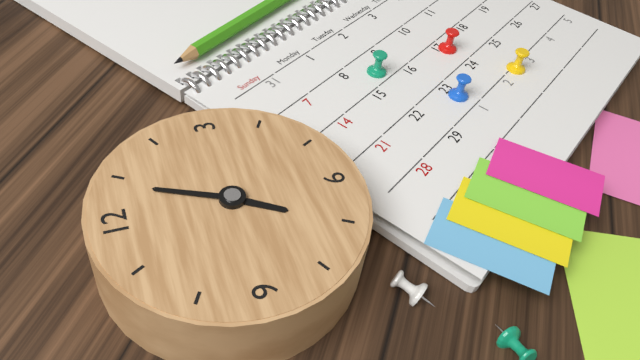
**7:04**
